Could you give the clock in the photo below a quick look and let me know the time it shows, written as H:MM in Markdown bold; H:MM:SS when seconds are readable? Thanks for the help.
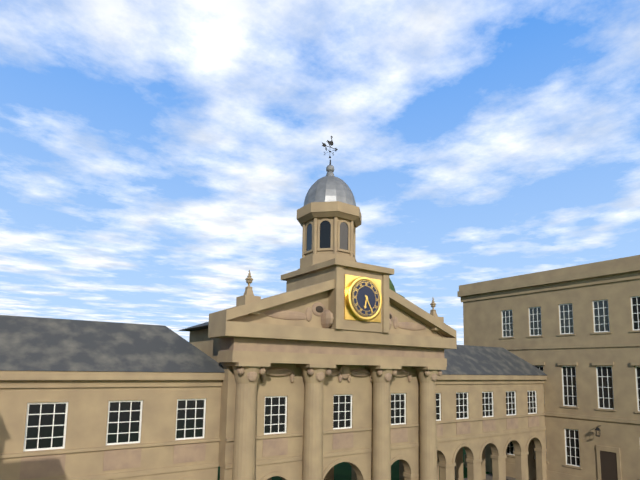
**6:25**
